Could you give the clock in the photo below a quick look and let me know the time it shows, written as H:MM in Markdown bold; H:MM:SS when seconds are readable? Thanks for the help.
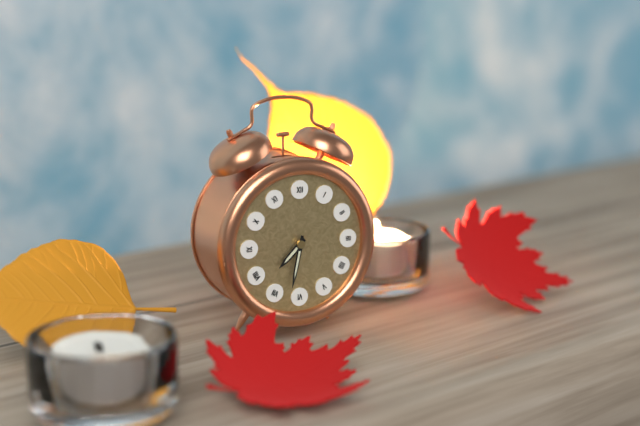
**7:32**
